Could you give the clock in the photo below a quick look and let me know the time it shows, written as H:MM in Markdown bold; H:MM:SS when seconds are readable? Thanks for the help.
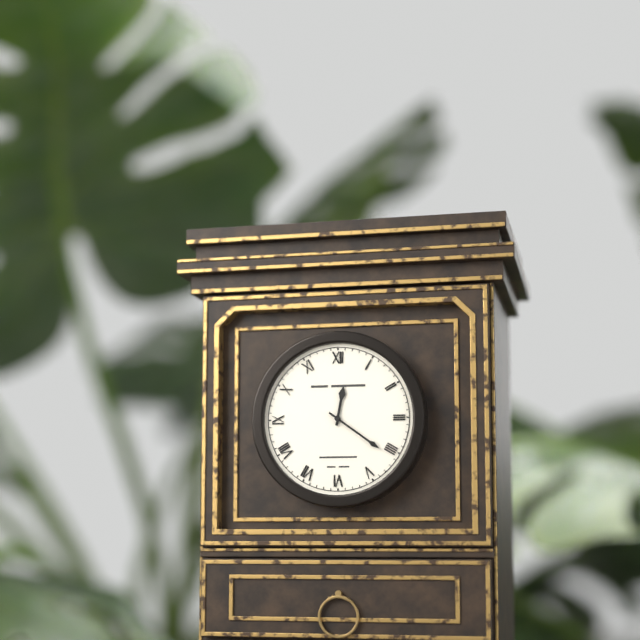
**12:21**
